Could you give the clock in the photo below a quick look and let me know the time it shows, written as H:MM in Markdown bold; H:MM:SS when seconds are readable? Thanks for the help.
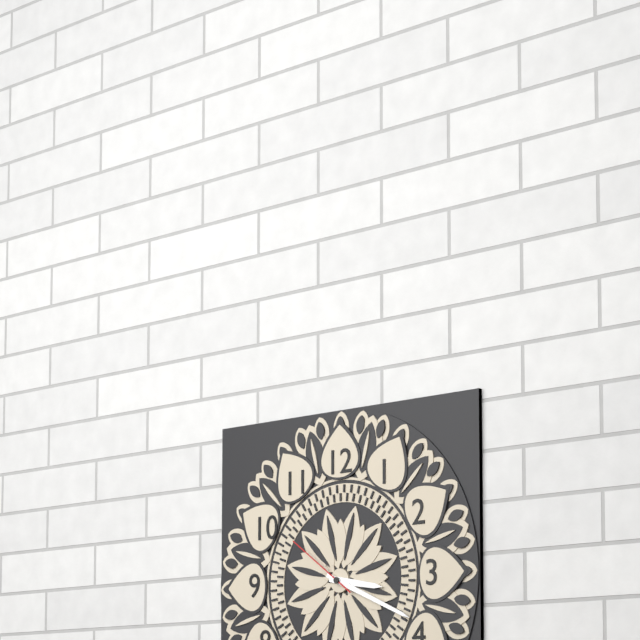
**3:19:51**
